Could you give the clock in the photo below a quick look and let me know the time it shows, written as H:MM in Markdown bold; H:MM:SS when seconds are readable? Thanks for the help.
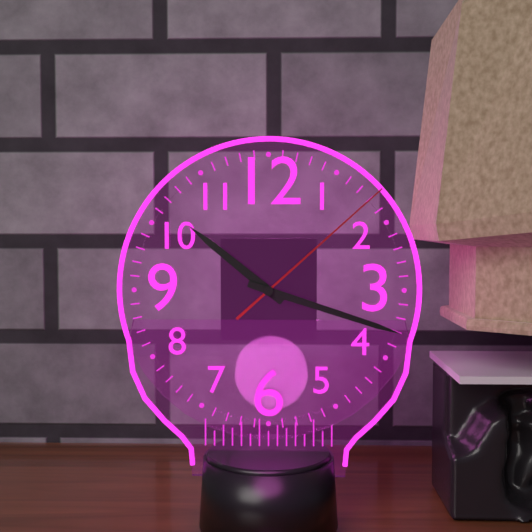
**10:18:08**
